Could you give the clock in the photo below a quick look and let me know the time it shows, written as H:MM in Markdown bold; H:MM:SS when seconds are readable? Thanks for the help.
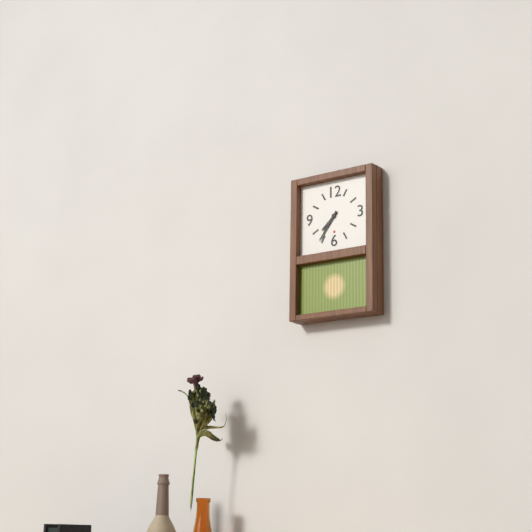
**7:36**
